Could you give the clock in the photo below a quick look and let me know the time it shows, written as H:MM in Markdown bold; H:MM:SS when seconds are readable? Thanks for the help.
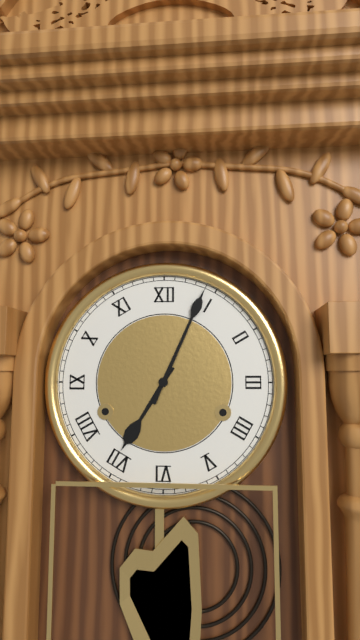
**7:04**
